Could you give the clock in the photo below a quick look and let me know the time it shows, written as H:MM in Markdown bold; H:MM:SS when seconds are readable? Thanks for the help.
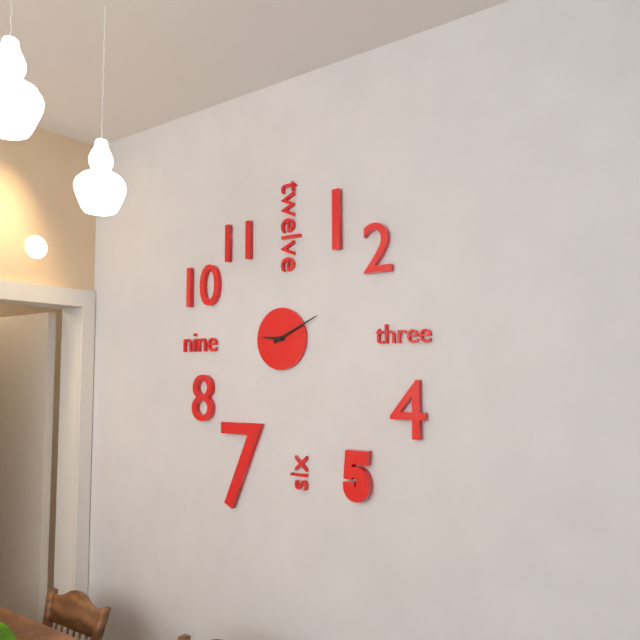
**9:11**
